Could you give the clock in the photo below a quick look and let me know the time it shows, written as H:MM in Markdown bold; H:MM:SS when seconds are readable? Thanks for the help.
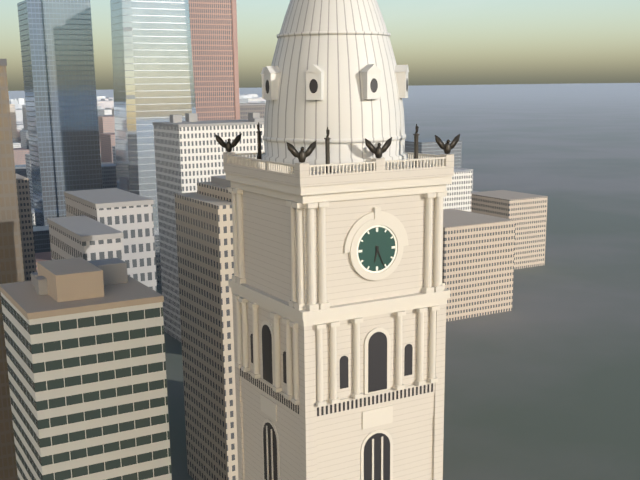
**6:26**
